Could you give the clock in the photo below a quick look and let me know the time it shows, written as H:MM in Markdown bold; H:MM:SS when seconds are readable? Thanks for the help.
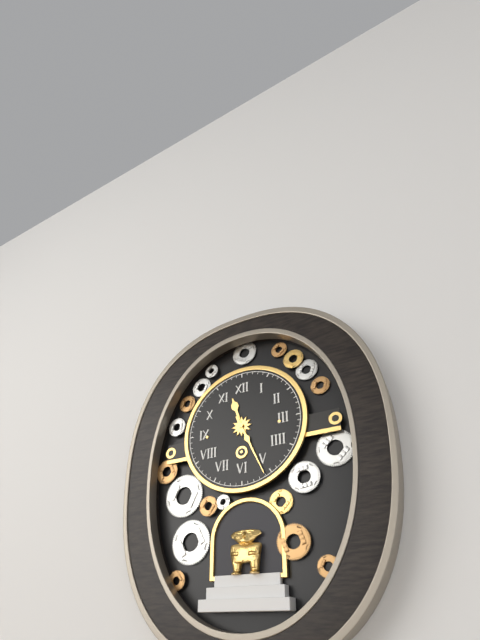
**11:26**
